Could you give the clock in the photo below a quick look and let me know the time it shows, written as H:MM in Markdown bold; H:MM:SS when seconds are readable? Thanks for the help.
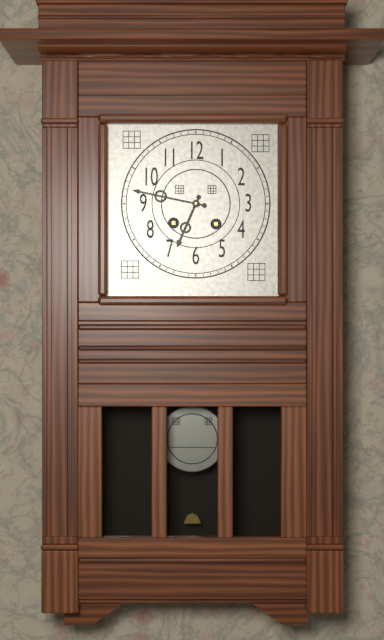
**6:47**
